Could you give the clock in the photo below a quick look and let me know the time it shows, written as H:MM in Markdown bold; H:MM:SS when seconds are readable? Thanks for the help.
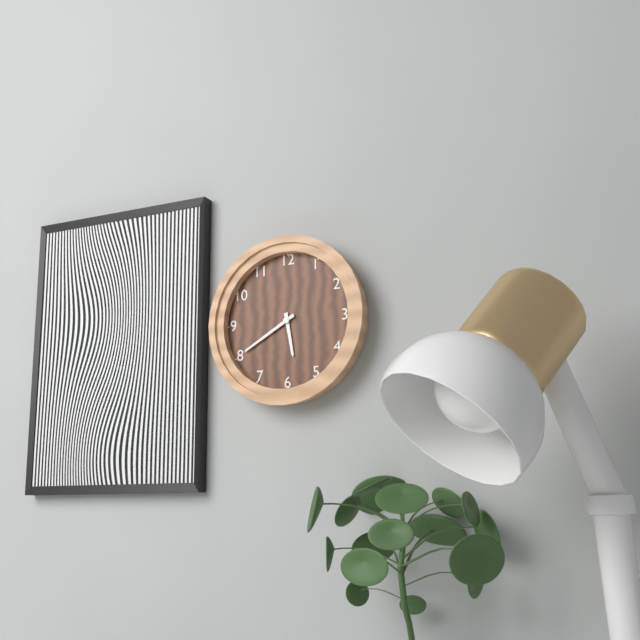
**5:40**
